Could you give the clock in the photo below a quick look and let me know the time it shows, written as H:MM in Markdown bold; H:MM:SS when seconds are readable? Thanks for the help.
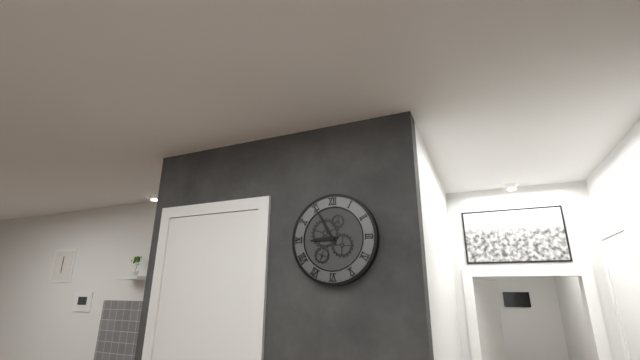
**8:55**
